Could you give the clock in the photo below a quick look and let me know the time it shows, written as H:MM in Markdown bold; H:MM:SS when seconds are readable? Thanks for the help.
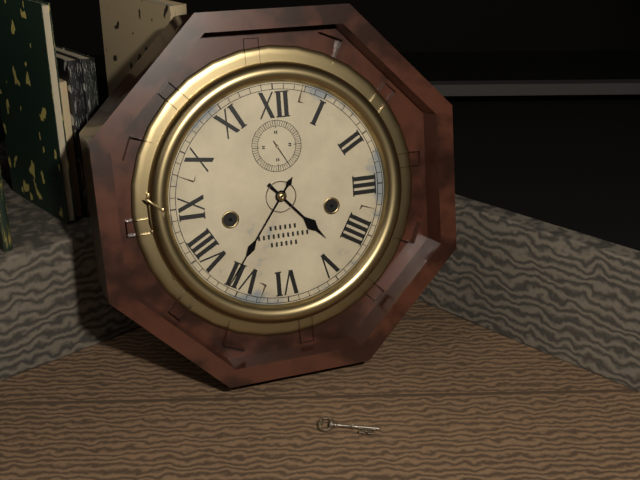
**4:36**
